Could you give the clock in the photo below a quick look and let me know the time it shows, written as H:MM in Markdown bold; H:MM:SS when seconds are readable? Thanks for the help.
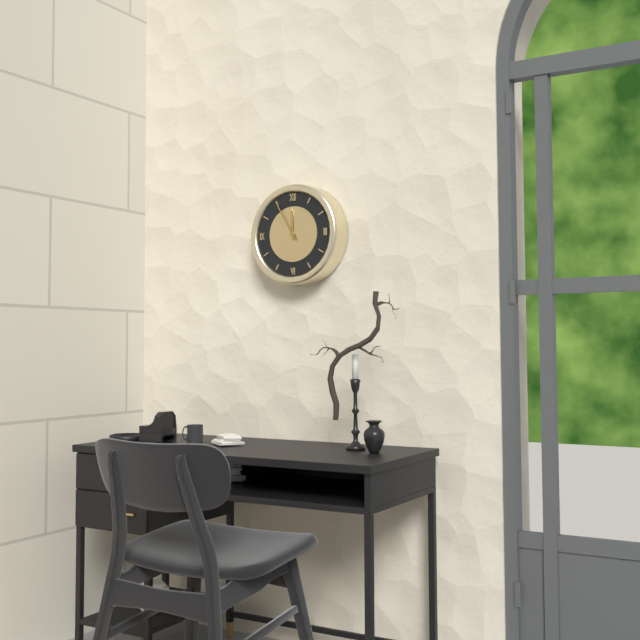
**11:55**
